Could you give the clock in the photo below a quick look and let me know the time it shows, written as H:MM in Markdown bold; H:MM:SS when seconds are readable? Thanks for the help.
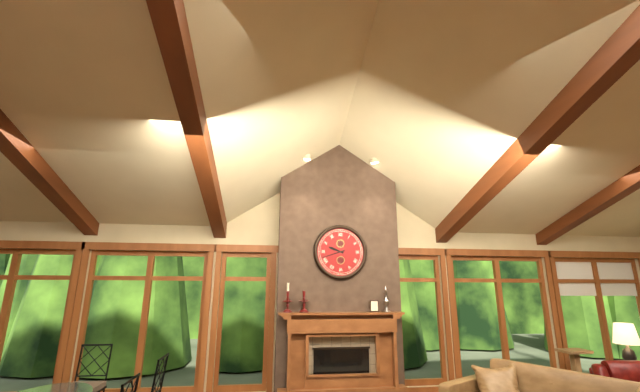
**9:42**
